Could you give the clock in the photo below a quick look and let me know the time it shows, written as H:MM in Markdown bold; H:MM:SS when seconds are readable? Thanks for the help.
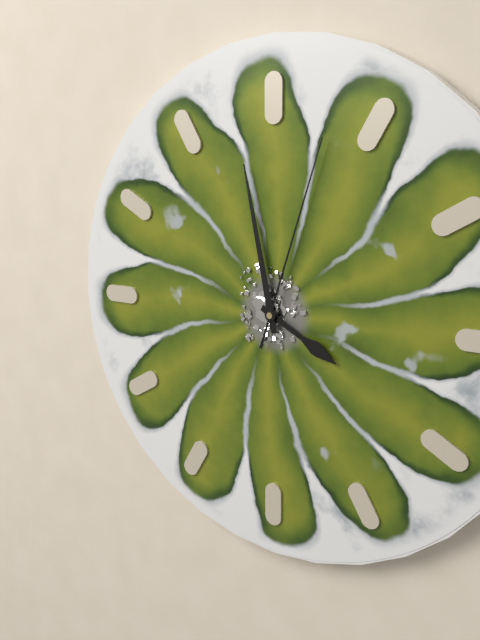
**3:58:03**
